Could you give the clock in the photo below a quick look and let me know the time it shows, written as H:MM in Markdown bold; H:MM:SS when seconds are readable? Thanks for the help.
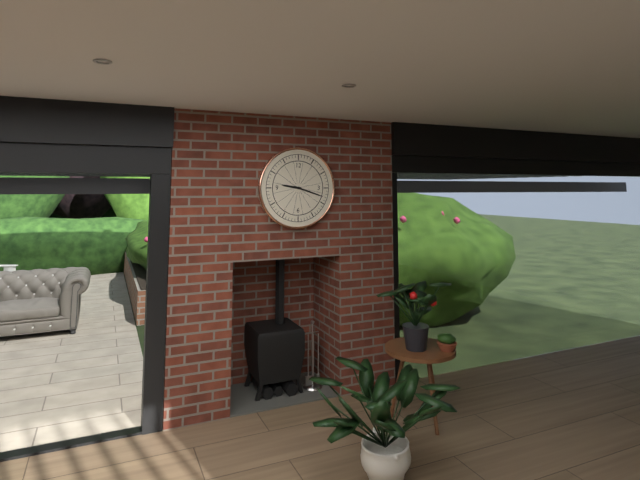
**9:18**
